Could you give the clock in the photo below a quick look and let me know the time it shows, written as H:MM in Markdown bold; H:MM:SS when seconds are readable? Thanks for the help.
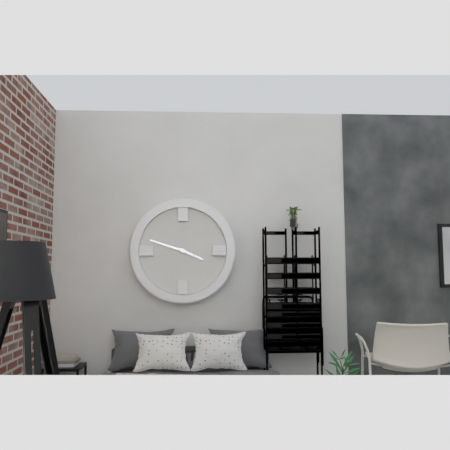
**3:48**
